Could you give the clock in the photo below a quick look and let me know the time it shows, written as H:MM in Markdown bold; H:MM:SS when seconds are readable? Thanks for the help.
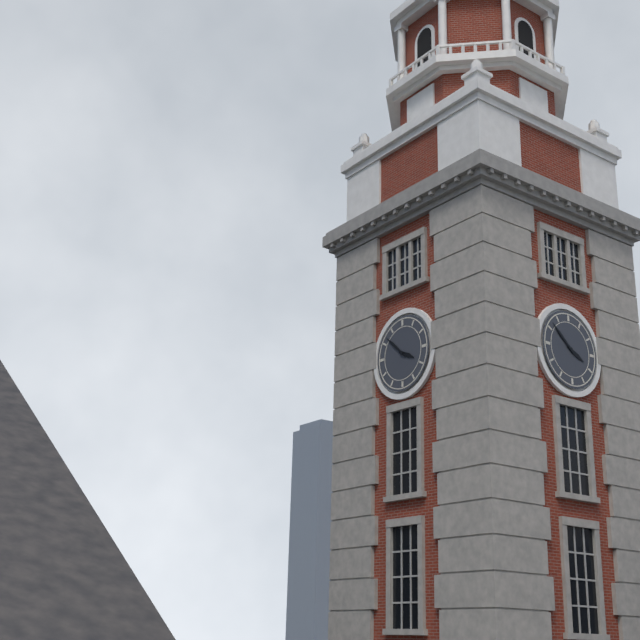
**3:52**
